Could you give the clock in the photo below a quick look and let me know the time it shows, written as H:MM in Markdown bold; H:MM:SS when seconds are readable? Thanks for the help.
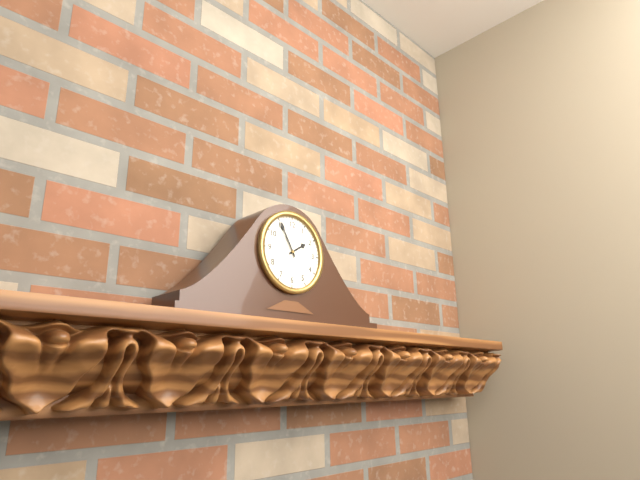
**1:55**
